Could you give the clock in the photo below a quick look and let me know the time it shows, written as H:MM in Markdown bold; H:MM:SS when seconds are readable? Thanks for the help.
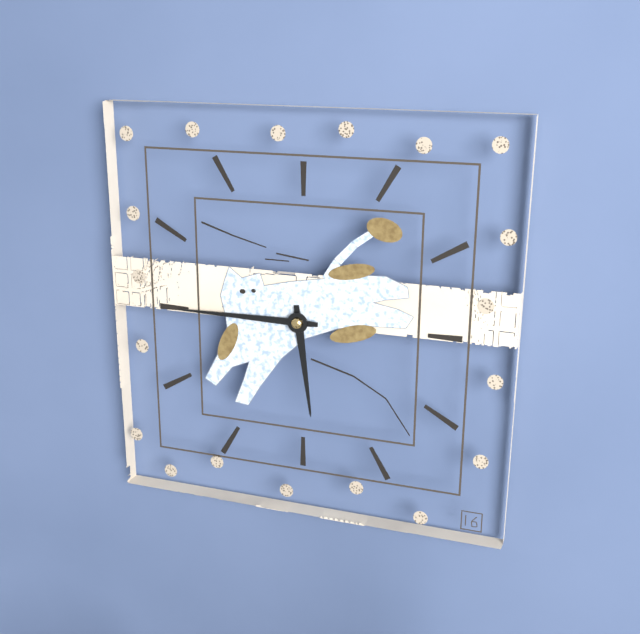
**5:45**
